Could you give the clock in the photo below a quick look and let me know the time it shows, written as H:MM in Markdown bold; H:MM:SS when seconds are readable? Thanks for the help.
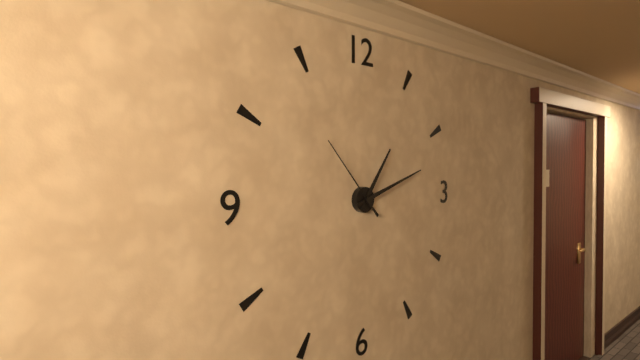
**1:12:53**
